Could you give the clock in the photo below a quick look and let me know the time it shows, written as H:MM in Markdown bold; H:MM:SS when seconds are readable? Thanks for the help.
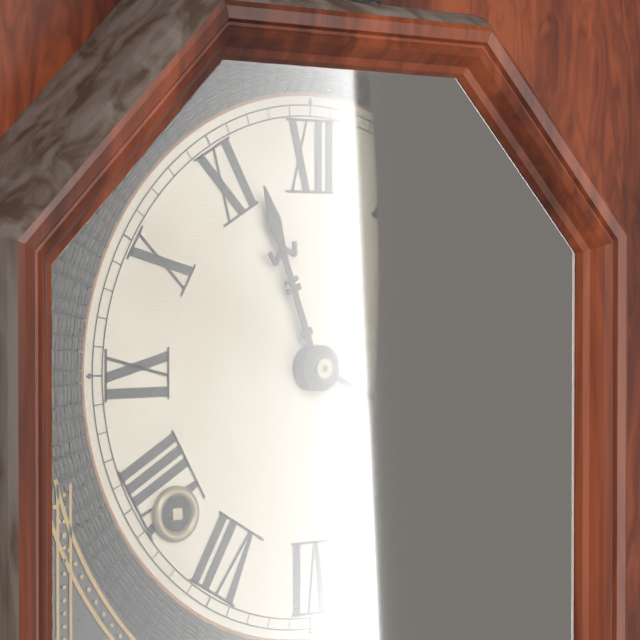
**11:19**
